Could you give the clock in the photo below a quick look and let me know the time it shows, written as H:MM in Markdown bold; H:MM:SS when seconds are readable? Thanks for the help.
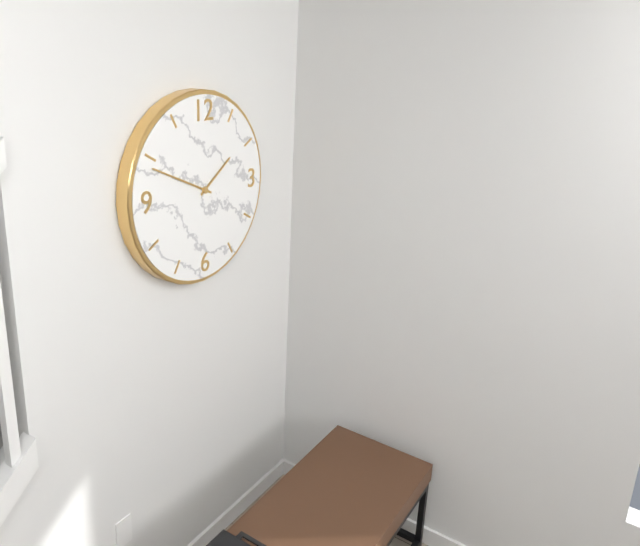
**1:49**
